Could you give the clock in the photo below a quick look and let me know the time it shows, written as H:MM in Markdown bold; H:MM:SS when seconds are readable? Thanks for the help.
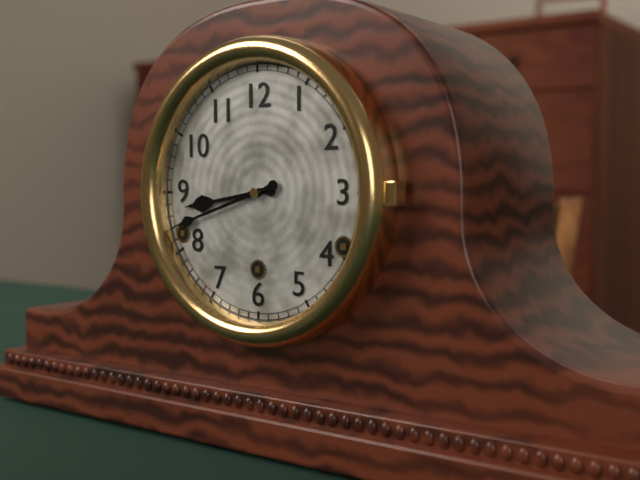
**8:42**
